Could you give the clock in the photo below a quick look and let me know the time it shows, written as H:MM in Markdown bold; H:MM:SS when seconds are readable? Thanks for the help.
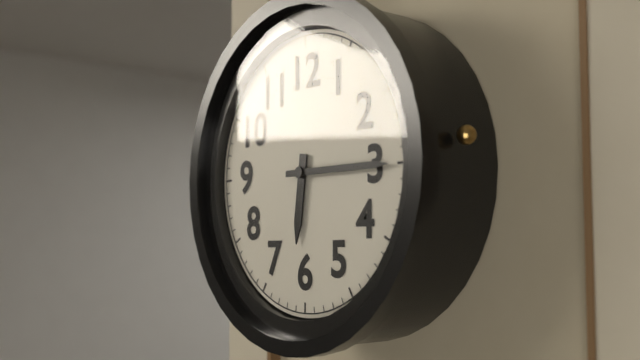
**6:15**
